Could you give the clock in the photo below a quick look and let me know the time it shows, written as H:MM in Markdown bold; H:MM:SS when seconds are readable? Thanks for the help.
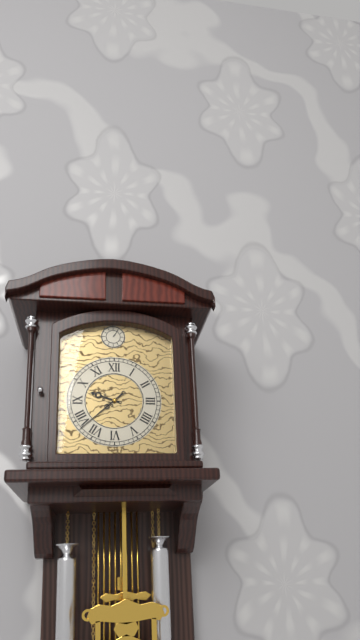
**9:38**
